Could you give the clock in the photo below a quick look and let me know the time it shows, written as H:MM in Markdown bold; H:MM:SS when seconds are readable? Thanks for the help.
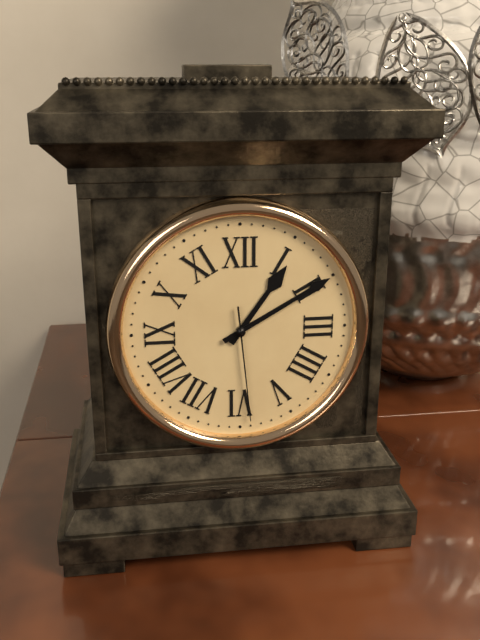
**1:10:29**
